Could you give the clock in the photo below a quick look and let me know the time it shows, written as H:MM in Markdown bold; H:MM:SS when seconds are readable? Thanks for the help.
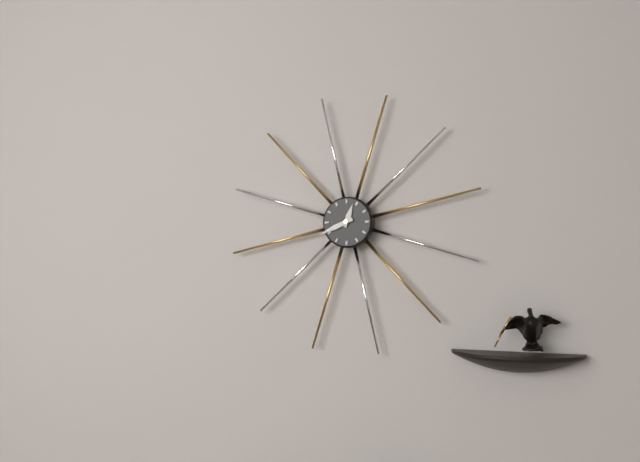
**12:41**
